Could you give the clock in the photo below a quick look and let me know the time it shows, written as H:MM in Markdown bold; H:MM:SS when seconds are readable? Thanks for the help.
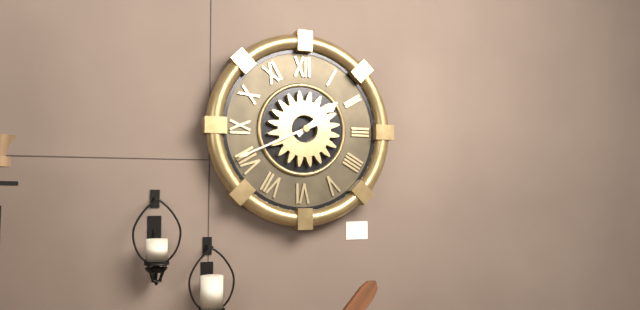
**1:41**
